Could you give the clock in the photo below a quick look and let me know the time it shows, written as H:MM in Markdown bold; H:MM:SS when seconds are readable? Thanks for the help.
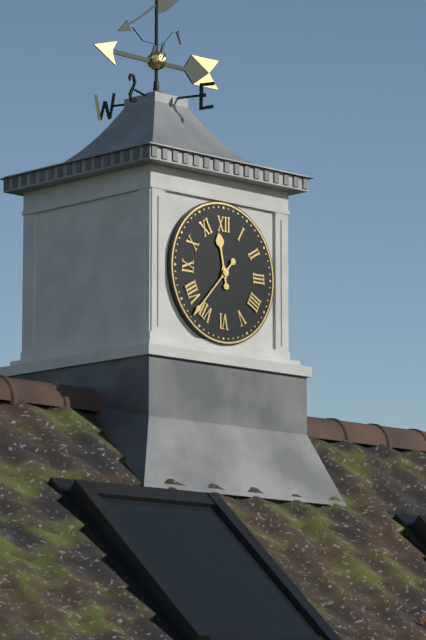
**11:37**
